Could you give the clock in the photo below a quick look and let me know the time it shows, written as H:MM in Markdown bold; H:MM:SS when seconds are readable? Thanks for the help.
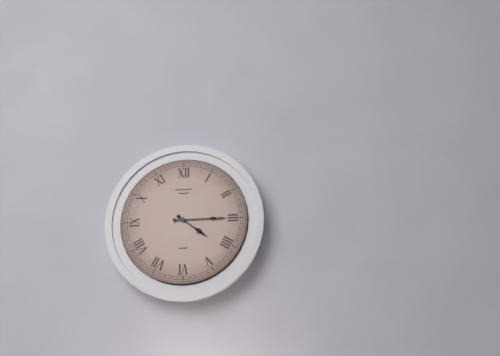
**4:15**
